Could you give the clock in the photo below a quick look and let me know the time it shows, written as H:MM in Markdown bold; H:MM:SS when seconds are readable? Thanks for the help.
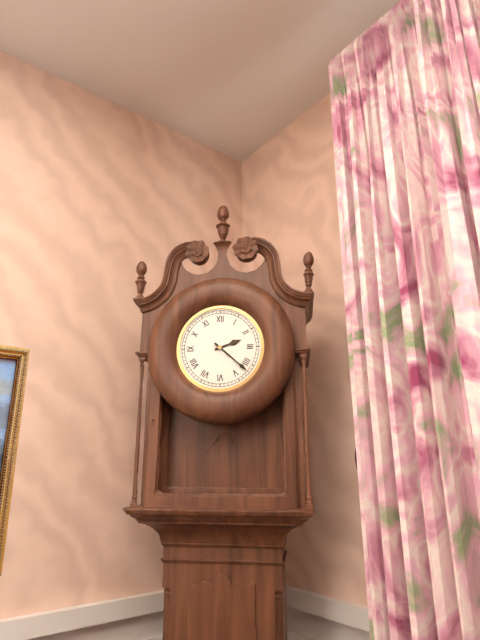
**2:22**
